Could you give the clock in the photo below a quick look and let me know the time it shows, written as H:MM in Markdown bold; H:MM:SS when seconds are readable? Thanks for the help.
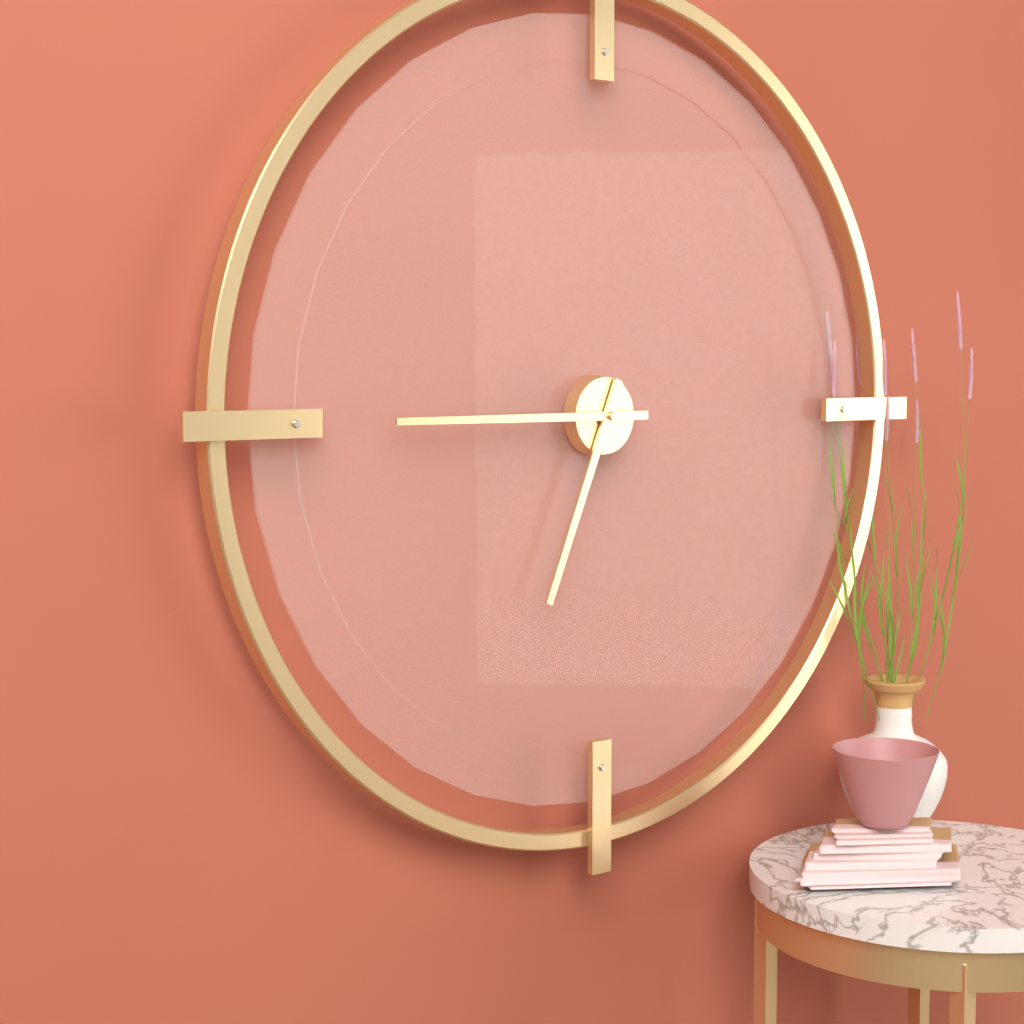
**6:45**
